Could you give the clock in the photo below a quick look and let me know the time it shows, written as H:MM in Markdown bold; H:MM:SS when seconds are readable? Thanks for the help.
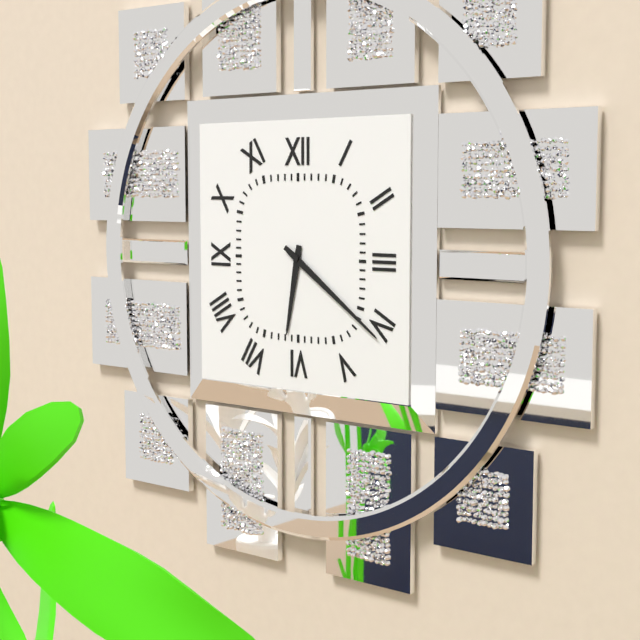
**6:21**
